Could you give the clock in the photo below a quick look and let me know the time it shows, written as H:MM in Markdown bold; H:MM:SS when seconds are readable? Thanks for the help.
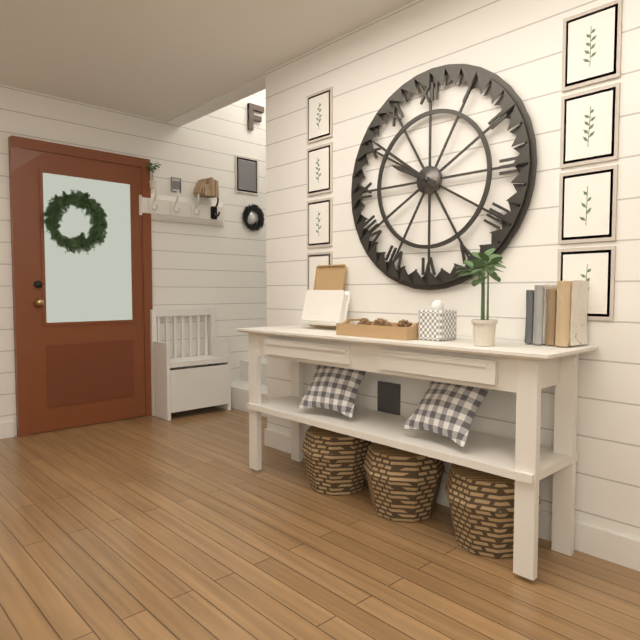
**9:51**
